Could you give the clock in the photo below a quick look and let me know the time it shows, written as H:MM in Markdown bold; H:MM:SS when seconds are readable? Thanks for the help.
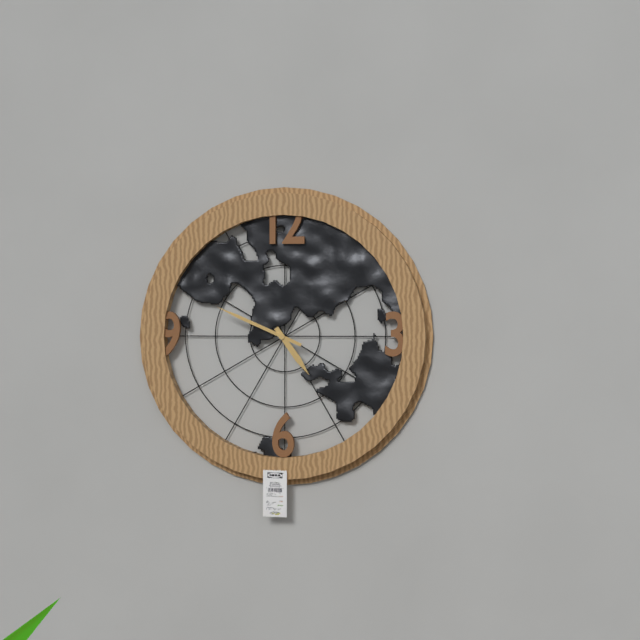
**4:49**
